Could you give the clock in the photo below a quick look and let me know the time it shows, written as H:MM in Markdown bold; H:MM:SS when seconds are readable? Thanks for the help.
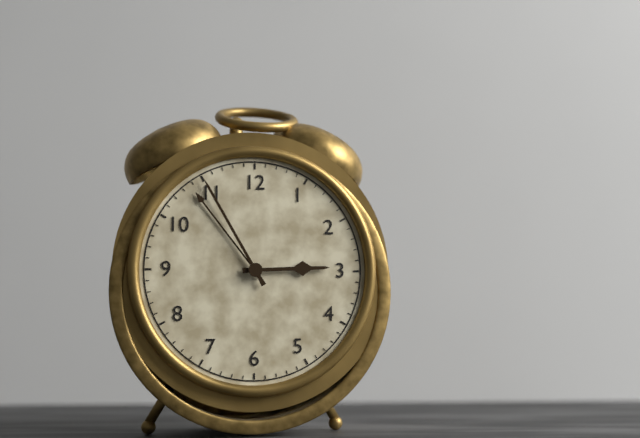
**2:55**
